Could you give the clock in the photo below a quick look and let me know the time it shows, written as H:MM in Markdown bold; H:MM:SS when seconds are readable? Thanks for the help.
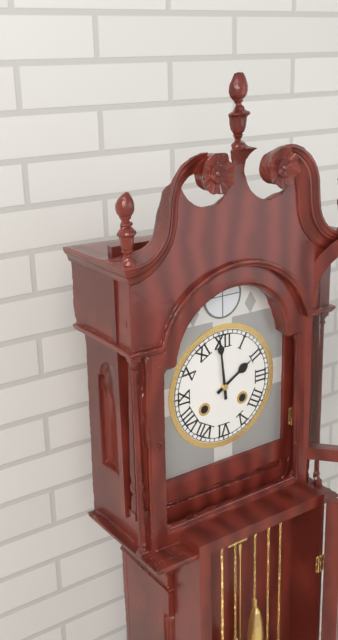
**1:59**
